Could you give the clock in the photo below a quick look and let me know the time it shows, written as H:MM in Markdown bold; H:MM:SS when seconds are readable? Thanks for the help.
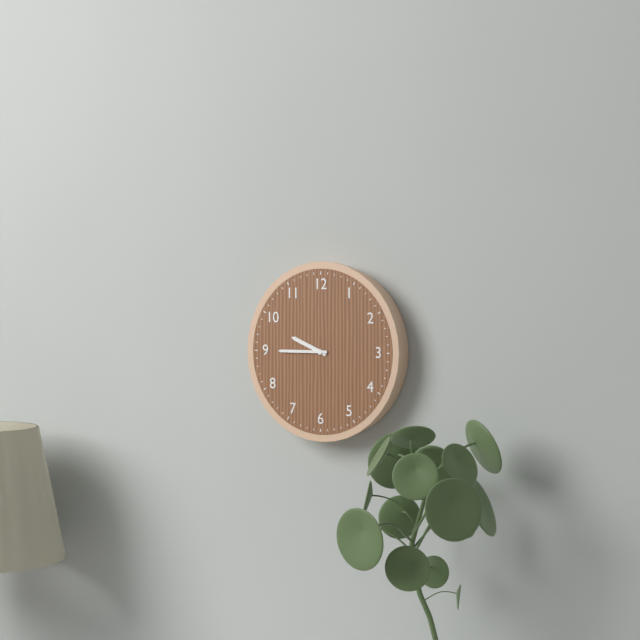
**9:45**
